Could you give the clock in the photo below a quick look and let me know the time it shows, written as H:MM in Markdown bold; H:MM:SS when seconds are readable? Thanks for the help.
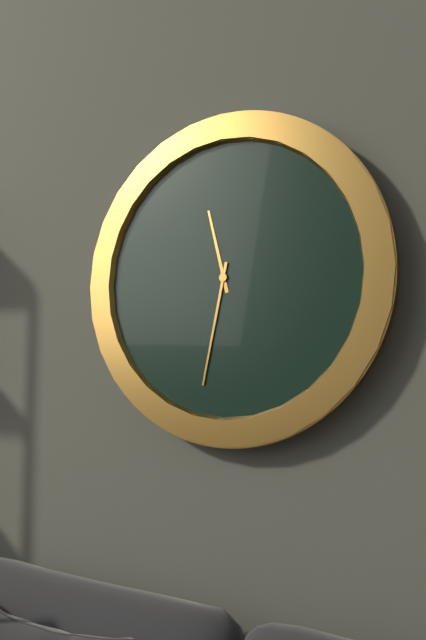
**11:32**
